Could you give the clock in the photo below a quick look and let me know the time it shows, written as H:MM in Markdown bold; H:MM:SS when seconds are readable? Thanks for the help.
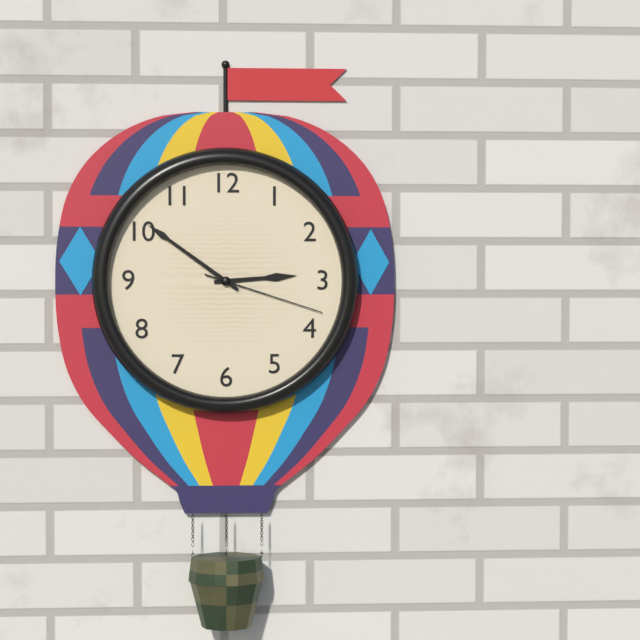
**2:51:18**
